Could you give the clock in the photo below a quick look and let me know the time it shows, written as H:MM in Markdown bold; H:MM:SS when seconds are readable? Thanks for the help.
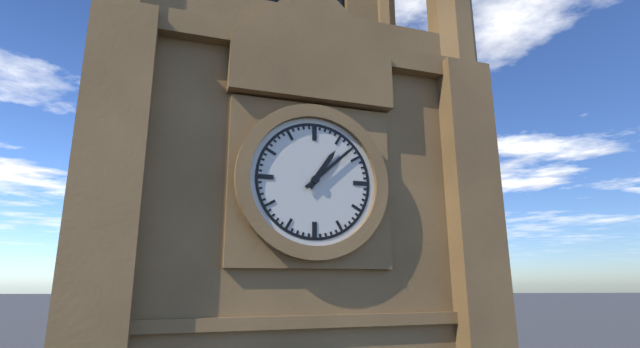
**1:08**
